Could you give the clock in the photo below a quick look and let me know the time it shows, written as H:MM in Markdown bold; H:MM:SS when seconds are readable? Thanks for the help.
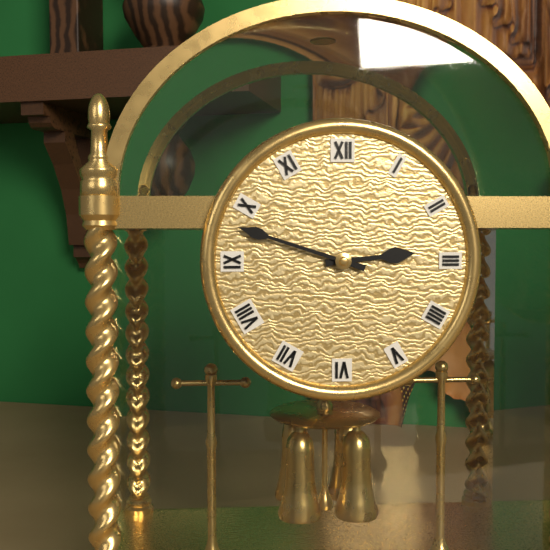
**2:48**
